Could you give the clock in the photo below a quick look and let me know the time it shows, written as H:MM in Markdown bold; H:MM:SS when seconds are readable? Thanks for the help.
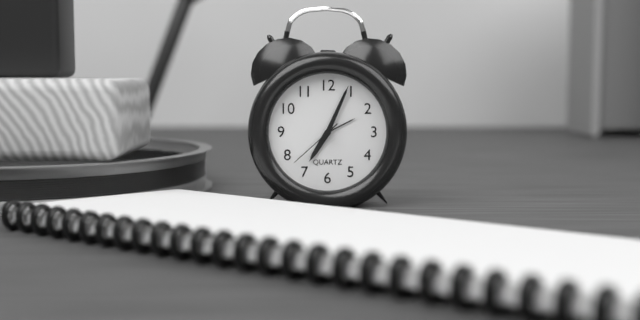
**7:04:38**
